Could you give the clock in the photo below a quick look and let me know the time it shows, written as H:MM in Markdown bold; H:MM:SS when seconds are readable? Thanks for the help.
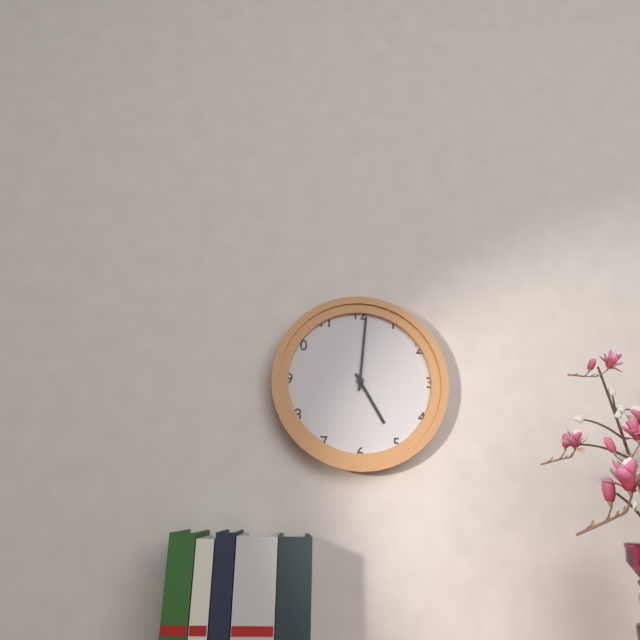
**5:01**
